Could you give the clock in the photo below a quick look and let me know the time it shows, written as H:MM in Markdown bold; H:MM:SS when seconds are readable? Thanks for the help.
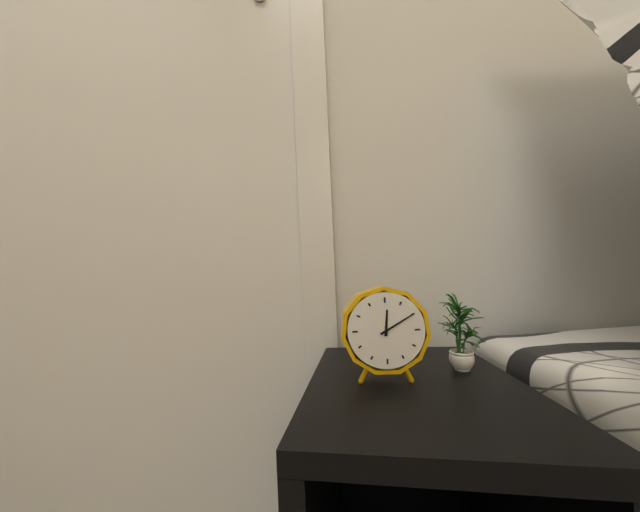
**12:10**
